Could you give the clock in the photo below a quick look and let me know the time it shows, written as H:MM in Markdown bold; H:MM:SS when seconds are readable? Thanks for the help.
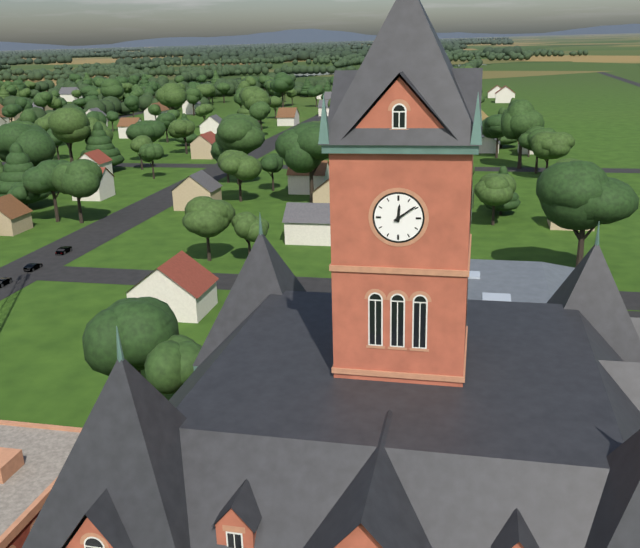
**12:09**
